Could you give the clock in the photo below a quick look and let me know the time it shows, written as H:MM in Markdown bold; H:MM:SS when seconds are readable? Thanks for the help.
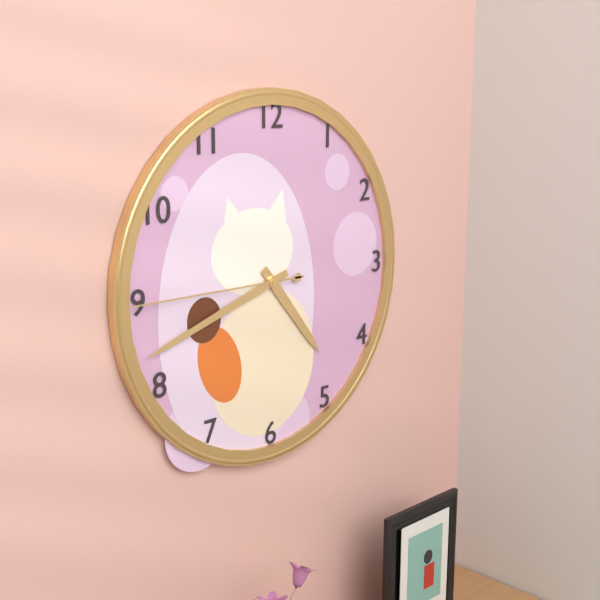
**4:42:45**
